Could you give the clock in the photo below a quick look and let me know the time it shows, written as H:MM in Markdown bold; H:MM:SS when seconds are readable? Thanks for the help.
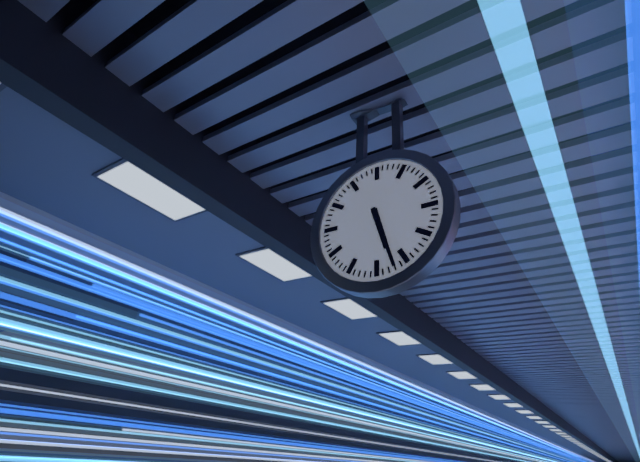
**5:27**
